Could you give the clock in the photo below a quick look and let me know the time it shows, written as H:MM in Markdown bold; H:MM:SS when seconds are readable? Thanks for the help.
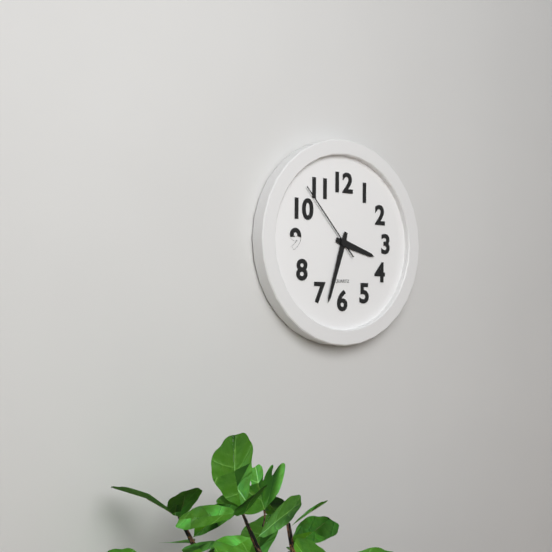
**3:33:53**
